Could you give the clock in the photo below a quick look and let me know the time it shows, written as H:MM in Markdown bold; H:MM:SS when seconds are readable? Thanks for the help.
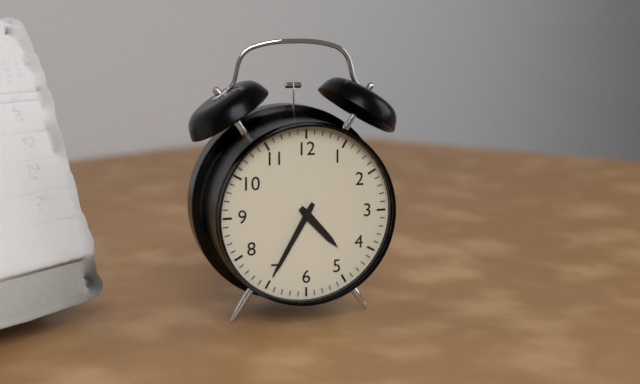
**4:35**
